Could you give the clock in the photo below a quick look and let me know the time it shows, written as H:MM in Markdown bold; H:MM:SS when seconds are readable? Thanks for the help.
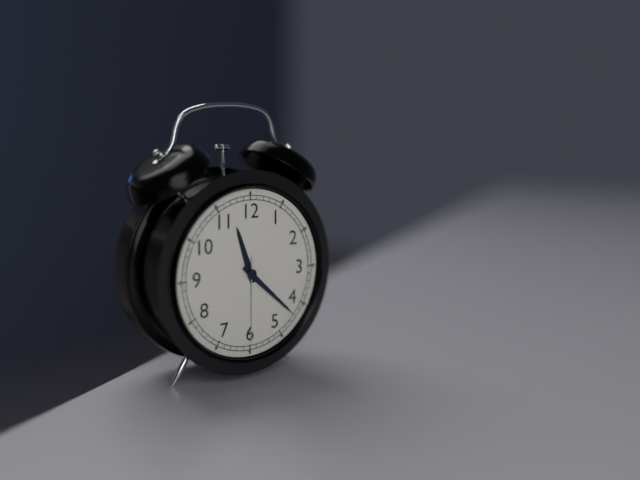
**11:22:30**
